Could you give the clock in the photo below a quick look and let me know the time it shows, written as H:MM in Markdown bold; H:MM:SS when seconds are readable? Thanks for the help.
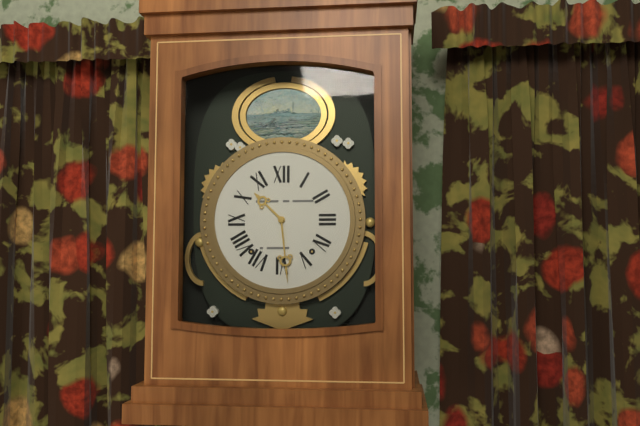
**10:29**
